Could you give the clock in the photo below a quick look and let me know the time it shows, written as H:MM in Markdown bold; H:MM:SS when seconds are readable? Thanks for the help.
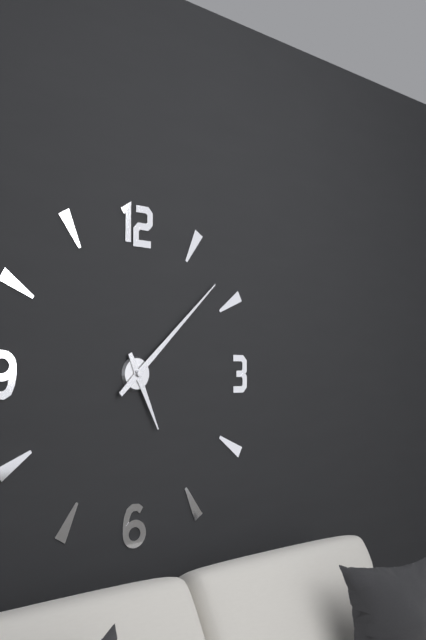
**5:08**
